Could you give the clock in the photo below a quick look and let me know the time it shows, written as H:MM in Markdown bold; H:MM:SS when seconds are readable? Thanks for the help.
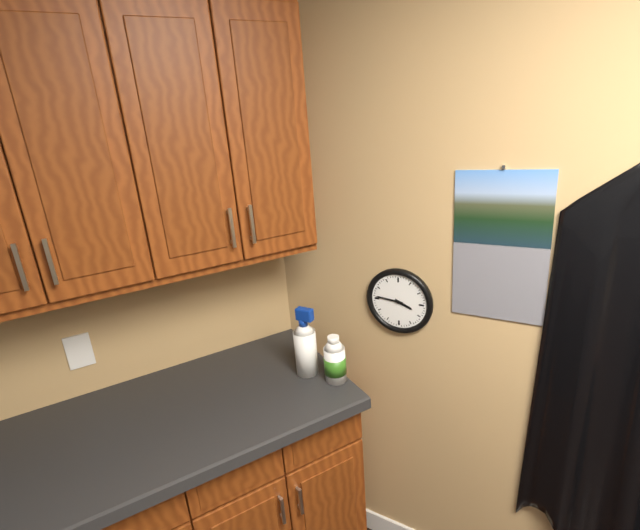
**3:46**
